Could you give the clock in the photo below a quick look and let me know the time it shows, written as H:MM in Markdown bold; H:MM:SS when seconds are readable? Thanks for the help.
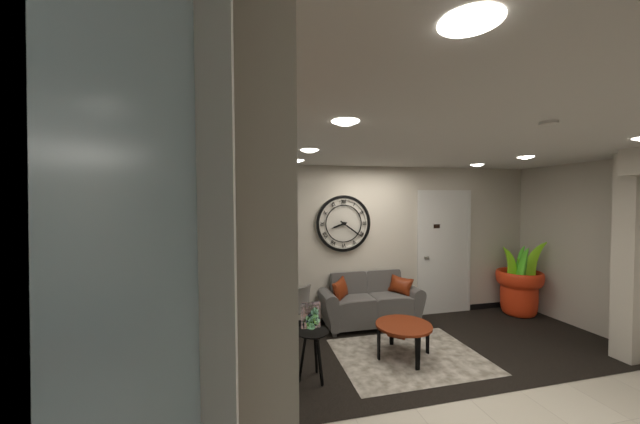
**8:21**
